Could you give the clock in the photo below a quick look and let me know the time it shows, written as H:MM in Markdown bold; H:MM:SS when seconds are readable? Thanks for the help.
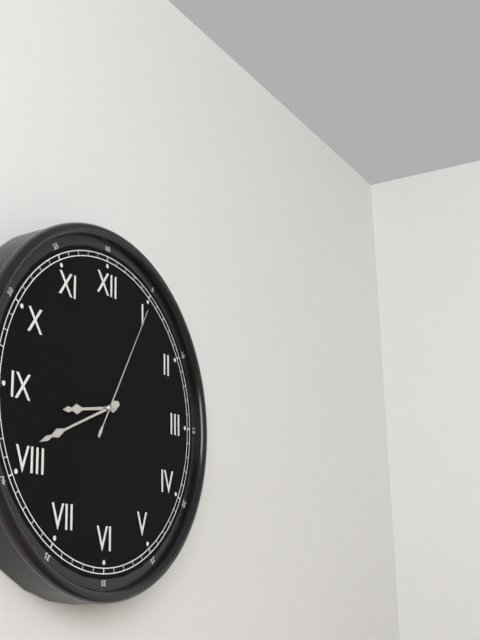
**8:41:05**
